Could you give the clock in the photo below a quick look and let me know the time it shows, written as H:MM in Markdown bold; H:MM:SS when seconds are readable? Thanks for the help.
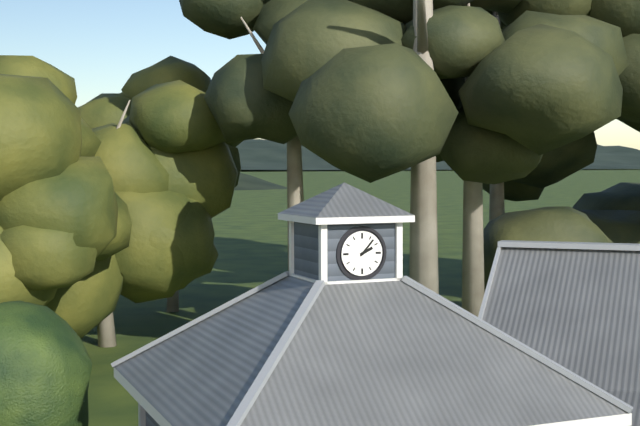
**2:07**
